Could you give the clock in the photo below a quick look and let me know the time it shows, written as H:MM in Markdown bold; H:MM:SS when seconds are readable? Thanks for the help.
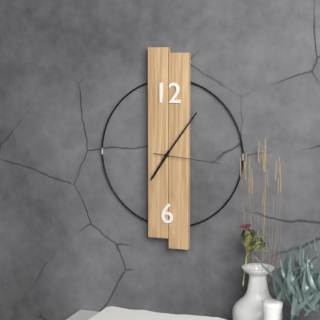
**7:06:16**
